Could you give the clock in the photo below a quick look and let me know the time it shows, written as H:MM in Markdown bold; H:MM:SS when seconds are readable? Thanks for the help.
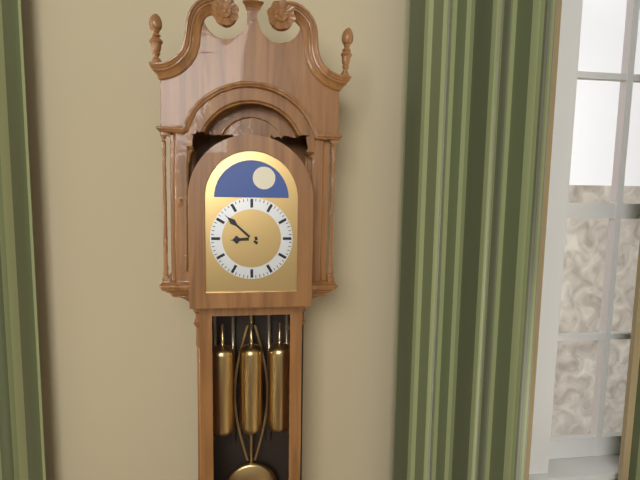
**8:52**
